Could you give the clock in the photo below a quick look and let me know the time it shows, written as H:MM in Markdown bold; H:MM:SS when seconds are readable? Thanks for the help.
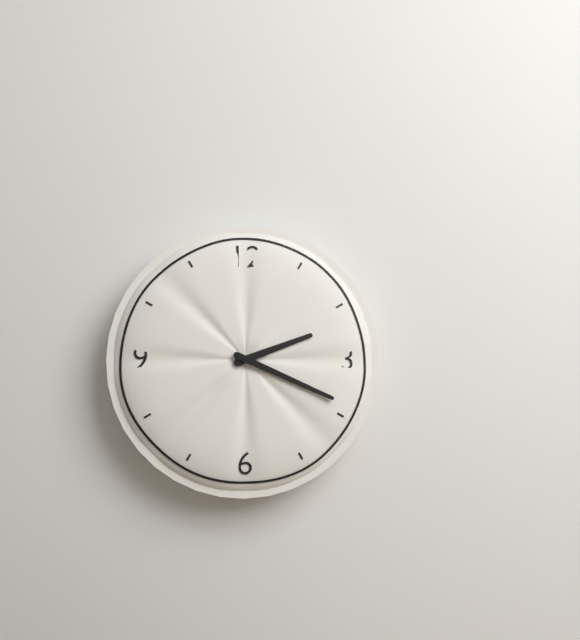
**2:19**
